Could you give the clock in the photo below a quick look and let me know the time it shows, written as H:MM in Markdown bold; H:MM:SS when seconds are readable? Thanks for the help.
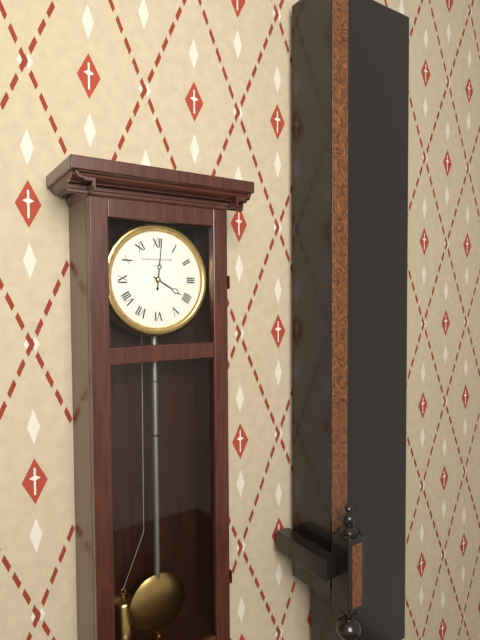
**4:01**
